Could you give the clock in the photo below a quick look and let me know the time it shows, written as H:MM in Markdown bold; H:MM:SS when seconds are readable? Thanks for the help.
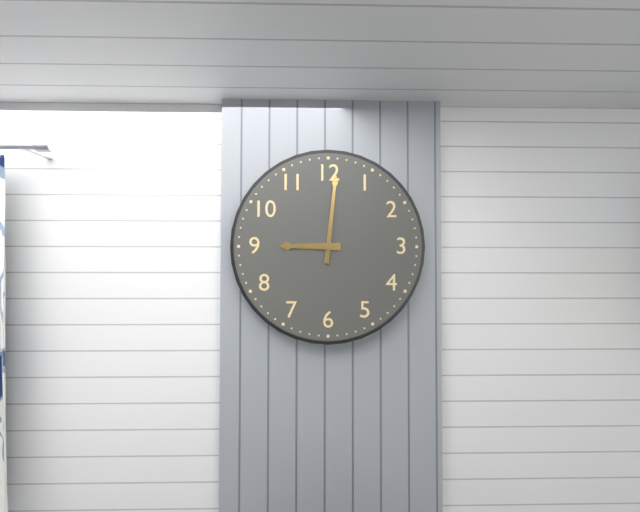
**9:01**
